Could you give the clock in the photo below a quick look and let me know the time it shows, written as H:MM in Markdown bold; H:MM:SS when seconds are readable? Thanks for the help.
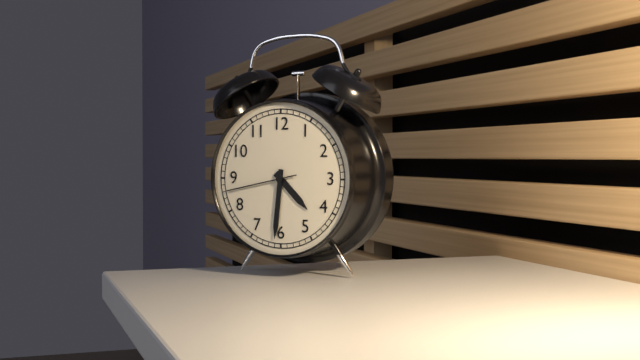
**4:31:43**
